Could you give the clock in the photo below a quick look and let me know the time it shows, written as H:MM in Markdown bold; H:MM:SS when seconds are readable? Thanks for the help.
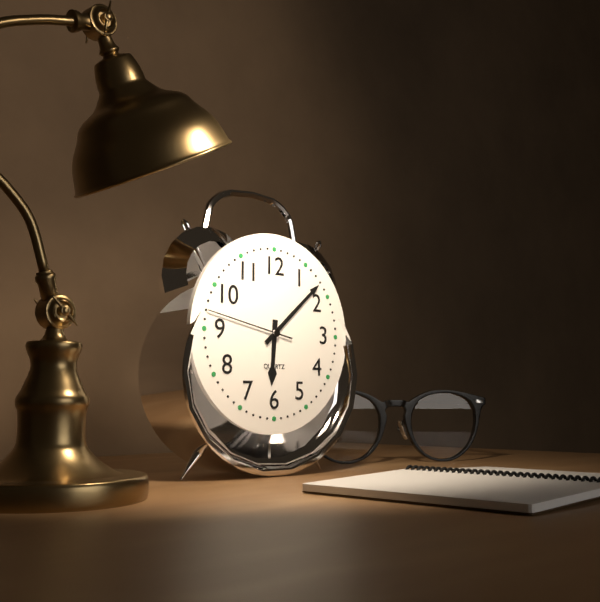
**6:08:47**
